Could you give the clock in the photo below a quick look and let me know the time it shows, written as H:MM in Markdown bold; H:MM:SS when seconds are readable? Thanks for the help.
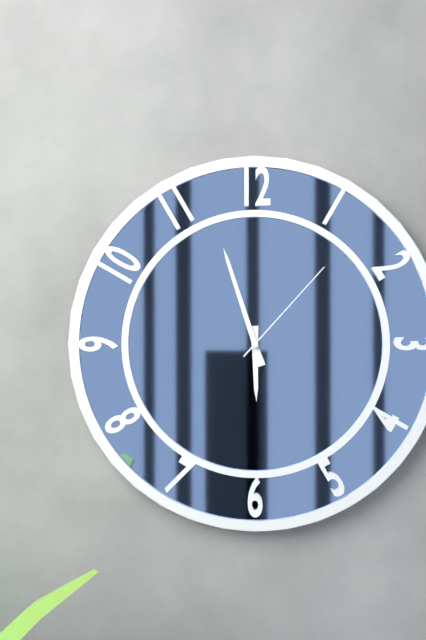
**5:57:07**
